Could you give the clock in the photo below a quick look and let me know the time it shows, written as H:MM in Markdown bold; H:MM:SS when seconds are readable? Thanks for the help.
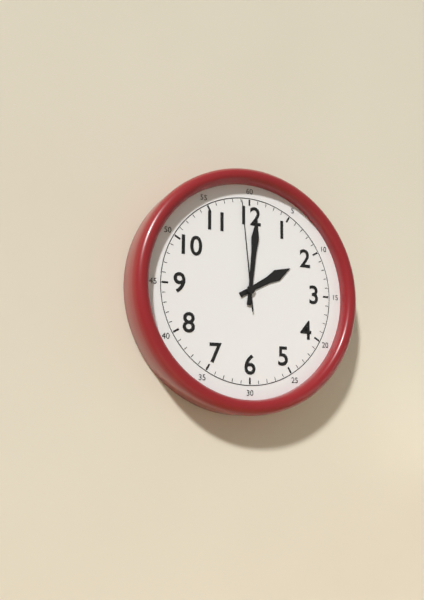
**2:01:59**
